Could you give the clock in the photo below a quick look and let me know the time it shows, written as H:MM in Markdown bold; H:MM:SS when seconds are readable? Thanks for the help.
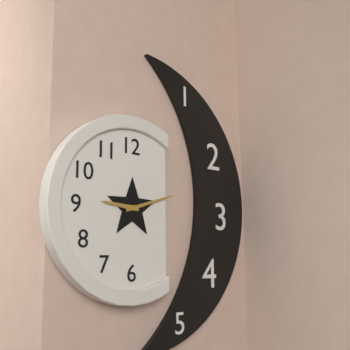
**9:12**
